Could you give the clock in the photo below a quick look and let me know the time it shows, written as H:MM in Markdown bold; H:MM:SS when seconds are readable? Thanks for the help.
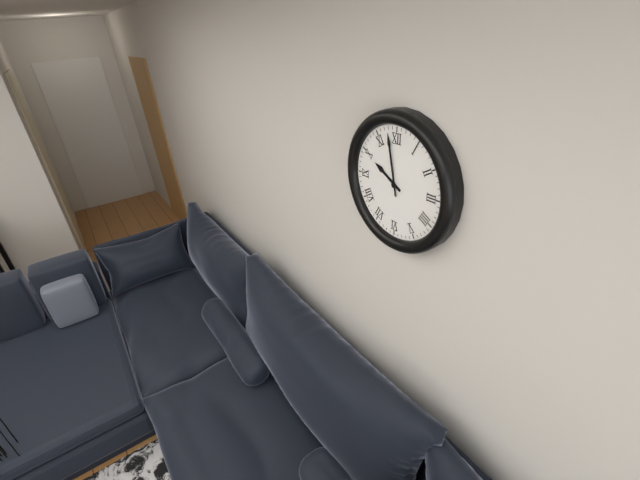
**9:58**
